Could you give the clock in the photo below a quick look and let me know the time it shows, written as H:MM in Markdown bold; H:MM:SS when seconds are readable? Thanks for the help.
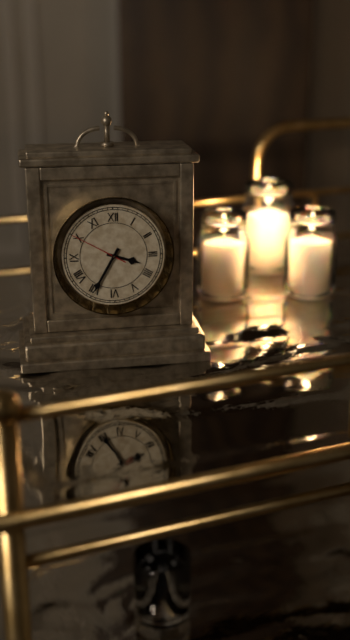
**3:35:50**
